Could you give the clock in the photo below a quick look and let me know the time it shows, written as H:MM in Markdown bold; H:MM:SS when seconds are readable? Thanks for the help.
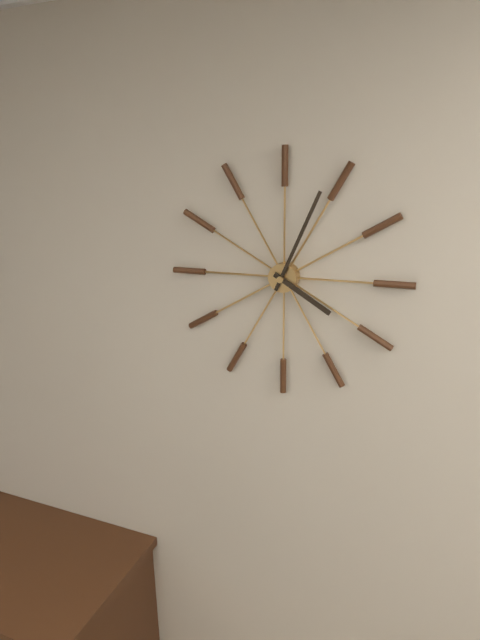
**4:04**
